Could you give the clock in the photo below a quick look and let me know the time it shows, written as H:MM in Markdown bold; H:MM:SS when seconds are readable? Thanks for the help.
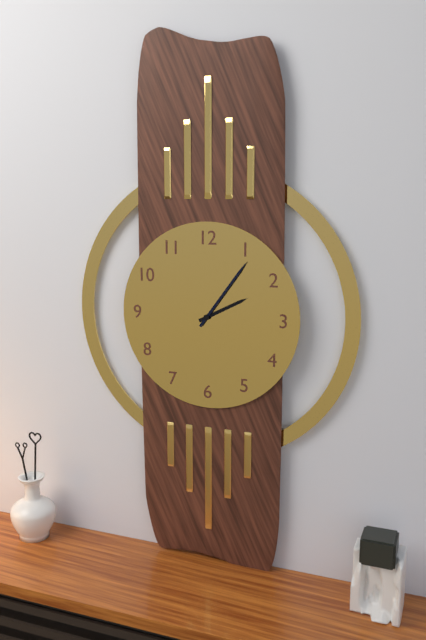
**2:06**
